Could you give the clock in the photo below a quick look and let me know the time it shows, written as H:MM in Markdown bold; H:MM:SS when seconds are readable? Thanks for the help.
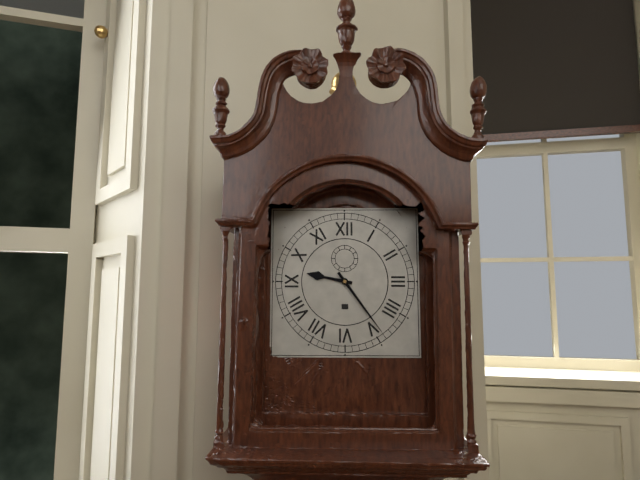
**9:24**
